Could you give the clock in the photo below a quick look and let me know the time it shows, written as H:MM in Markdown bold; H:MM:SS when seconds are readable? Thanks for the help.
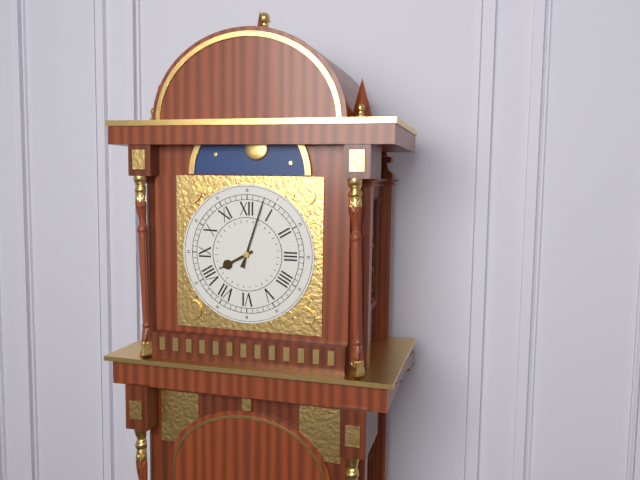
**8:03**
